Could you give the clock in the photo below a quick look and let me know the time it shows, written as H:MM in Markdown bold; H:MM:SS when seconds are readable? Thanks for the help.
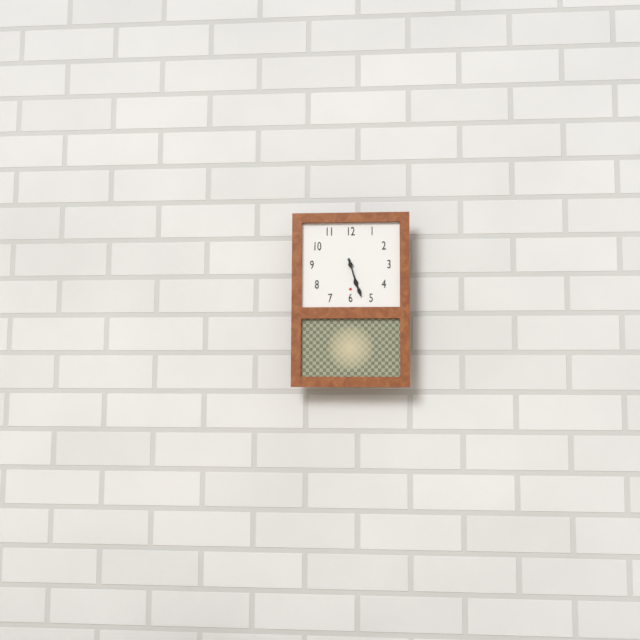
**5:27**
